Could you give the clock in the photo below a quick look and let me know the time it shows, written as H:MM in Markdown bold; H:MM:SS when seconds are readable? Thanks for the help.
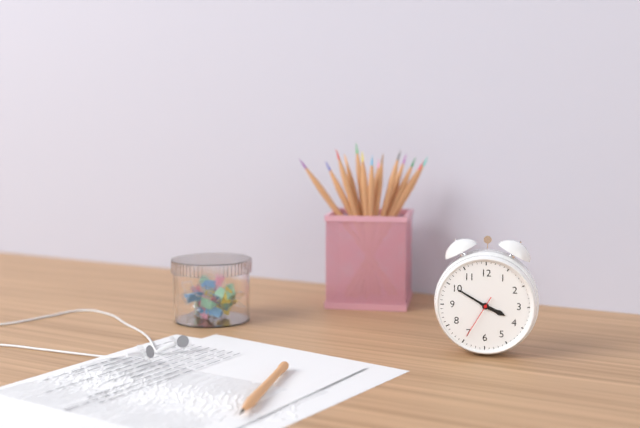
**3:50**
